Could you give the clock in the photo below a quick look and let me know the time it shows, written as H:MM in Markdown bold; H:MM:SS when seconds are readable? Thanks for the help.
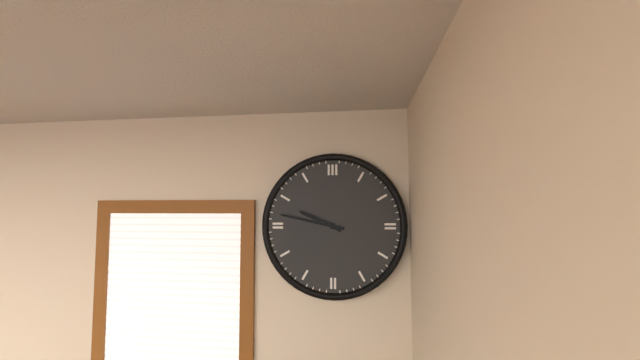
**9:47**
